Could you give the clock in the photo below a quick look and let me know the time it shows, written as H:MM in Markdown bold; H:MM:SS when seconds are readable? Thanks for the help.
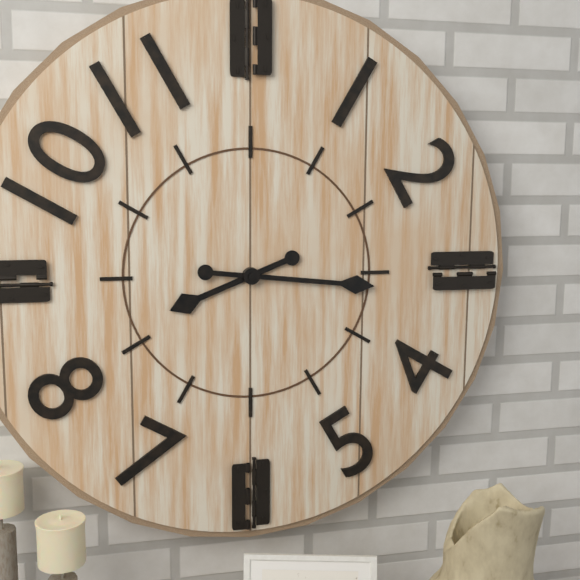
**8:16**
